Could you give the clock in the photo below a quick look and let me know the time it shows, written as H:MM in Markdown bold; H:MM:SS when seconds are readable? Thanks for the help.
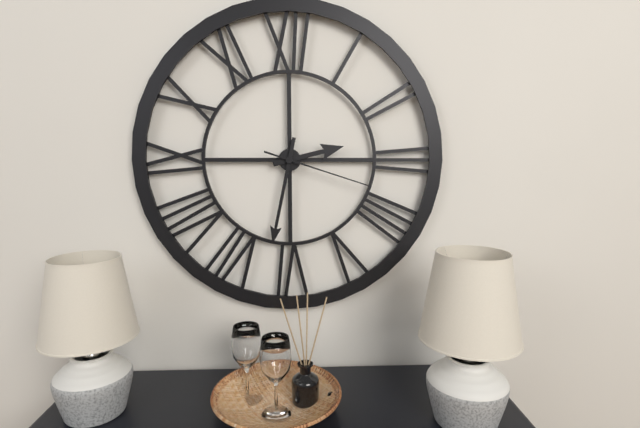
**2:32:18**
